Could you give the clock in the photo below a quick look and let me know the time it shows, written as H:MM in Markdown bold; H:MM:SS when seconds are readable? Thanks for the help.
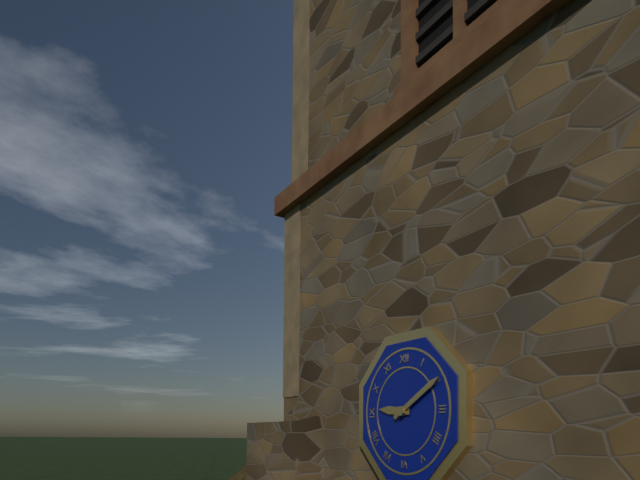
**9:10**
